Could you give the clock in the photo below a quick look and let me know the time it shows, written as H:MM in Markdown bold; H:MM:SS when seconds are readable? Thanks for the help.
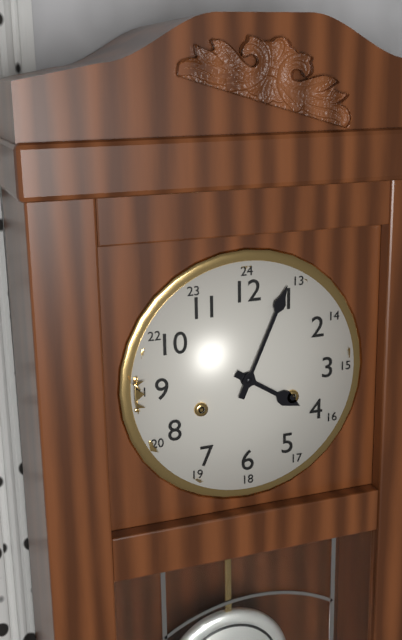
**4:04**
